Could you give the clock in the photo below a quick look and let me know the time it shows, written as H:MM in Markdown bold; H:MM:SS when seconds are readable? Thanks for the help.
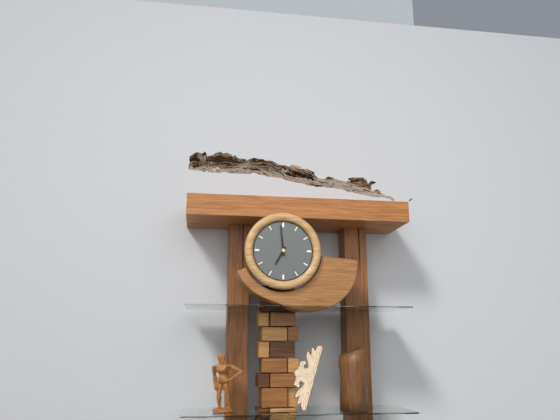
**6:59**
